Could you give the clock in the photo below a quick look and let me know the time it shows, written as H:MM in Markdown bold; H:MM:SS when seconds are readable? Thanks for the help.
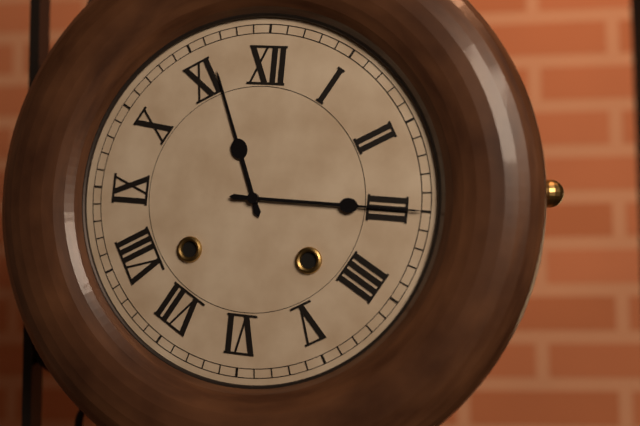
**11:15**
